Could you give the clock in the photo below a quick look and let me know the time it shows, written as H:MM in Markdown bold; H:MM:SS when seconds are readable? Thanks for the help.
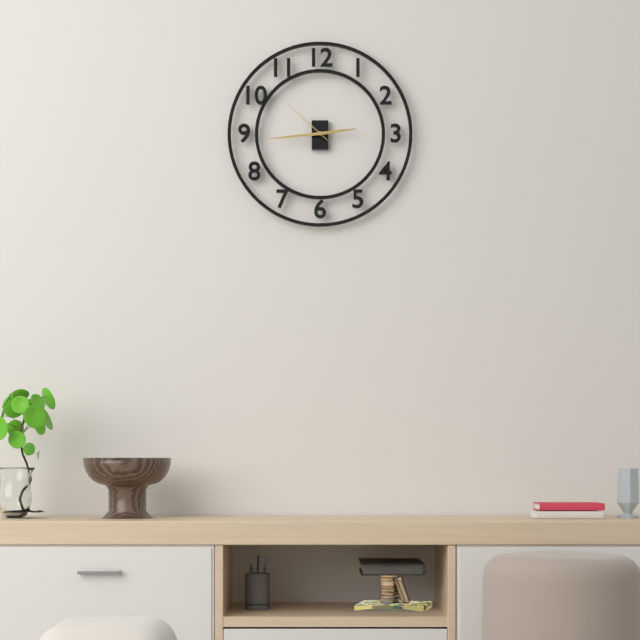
**2:44:52**
